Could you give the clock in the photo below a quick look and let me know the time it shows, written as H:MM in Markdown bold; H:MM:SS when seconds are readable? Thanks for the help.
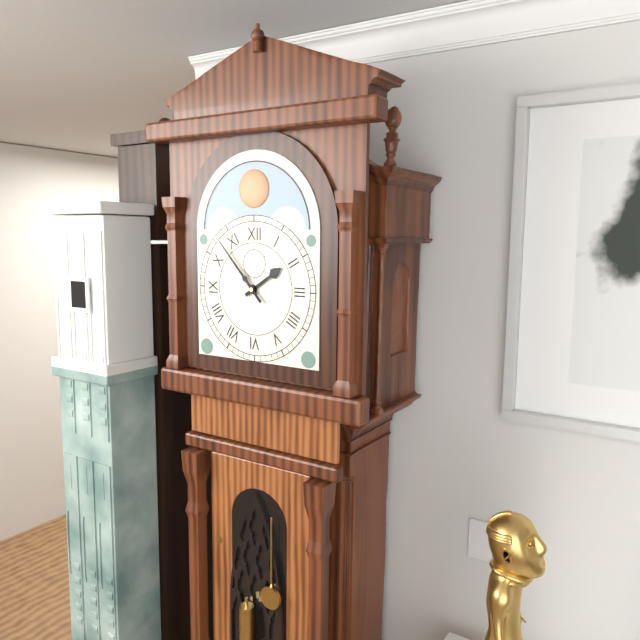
**1:53**
